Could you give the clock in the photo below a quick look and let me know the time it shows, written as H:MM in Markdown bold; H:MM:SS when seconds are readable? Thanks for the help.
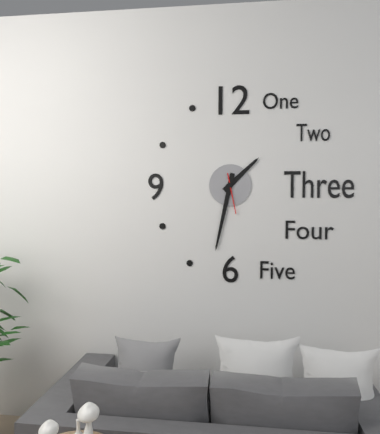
**1:32**
